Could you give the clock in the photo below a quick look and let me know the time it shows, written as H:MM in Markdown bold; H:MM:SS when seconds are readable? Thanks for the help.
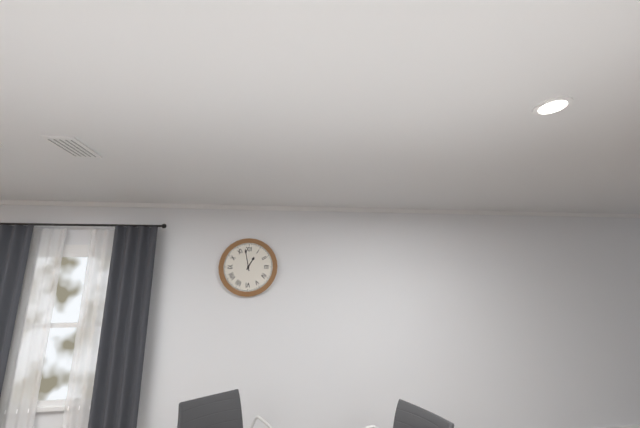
**12:58**
